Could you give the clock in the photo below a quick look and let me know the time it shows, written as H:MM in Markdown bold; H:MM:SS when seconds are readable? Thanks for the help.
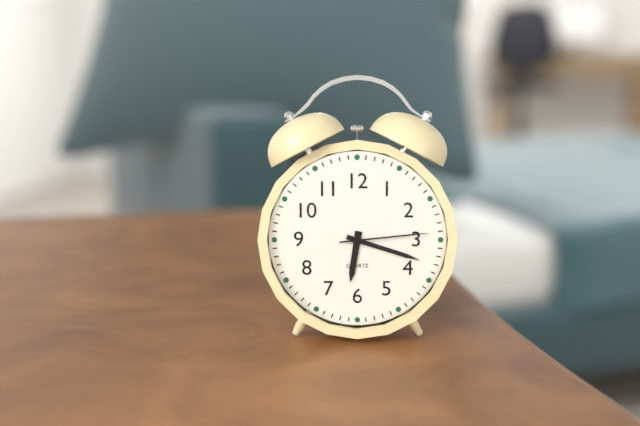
**6:18:14**
